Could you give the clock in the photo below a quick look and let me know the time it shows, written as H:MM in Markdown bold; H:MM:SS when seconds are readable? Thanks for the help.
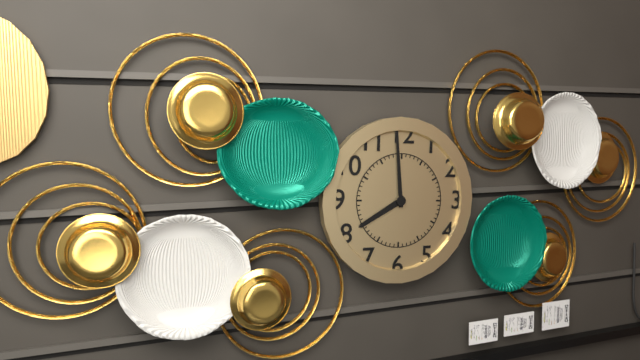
**7:59**
